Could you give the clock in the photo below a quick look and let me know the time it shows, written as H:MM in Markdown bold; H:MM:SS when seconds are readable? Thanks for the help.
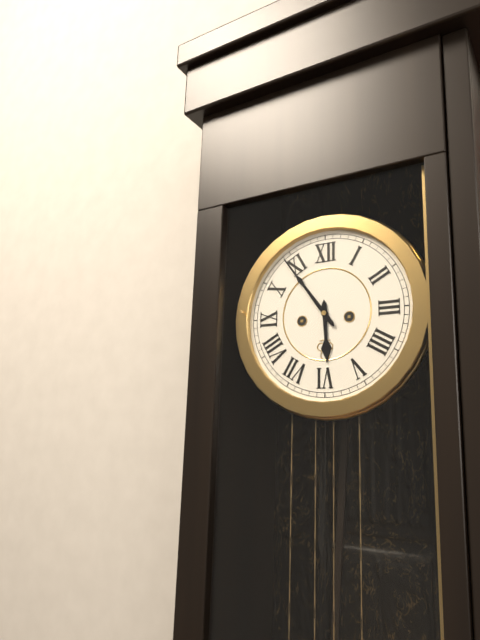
**5:54**
